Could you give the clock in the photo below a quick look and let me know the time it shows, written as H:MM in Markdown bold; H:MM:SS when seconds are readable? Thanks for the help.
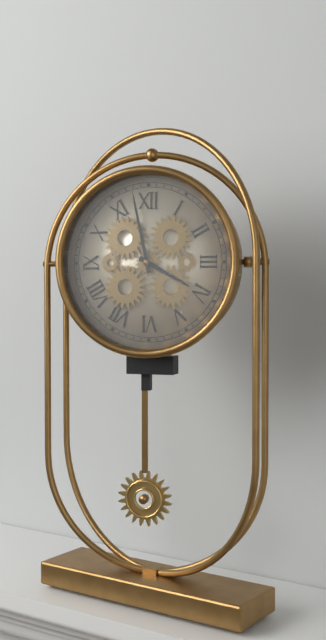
**3:58**
